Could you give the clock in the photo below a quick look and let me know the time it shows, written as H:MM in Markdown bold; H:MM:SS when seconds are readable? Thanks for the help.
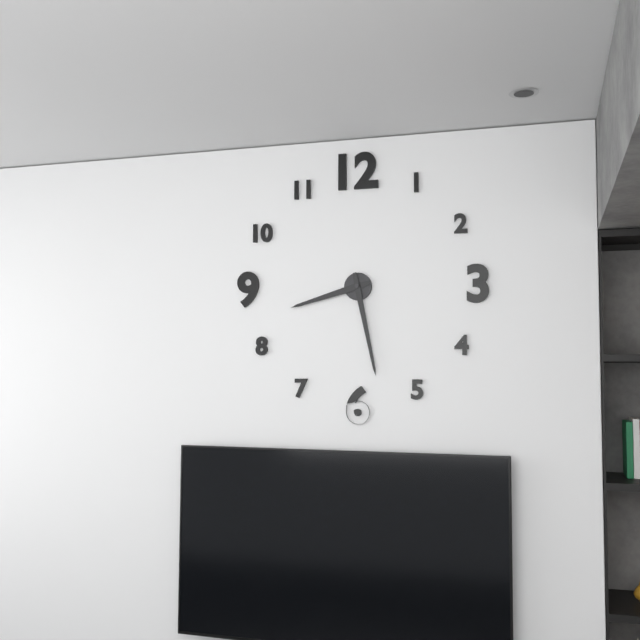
**8:28**
